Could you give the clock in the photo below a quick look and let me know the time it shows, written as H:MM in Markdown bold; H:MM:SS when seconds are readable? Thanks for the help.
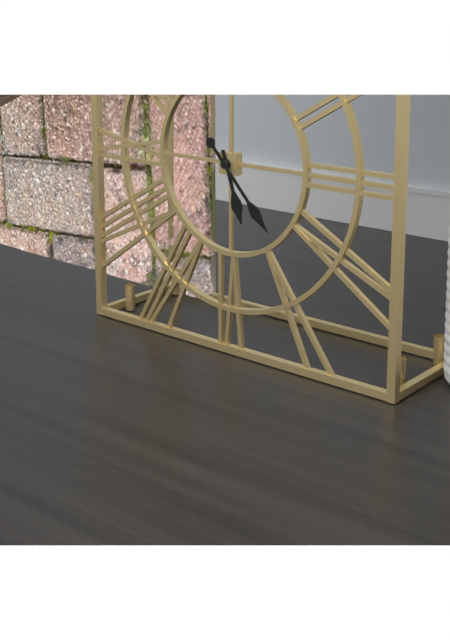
**5:23**
